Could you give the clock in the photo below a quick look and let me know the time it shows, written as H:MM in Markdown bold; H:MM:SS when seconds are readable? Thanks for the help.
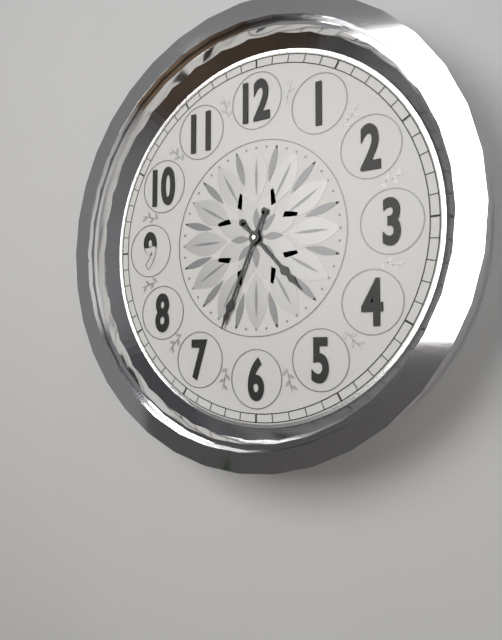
**4:34**
